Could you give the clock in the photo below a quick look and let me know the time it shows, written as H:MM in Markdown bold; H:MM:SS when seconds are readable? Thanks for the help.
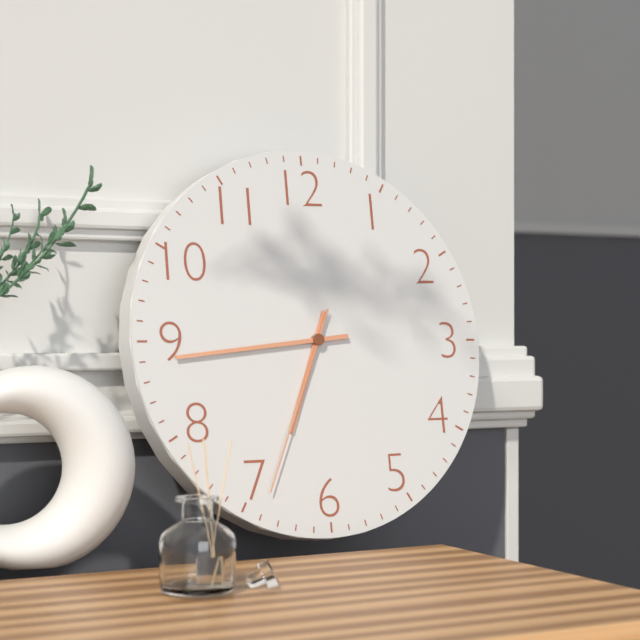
**6:44:34**
